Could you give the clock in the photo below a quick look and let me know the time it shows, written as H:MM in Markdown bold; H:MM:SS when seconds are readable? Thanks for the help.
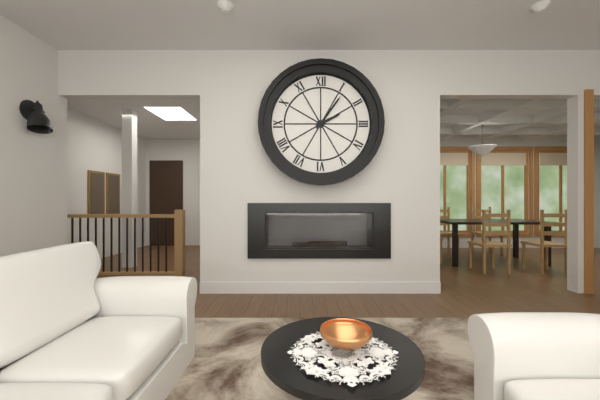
**2:06**
